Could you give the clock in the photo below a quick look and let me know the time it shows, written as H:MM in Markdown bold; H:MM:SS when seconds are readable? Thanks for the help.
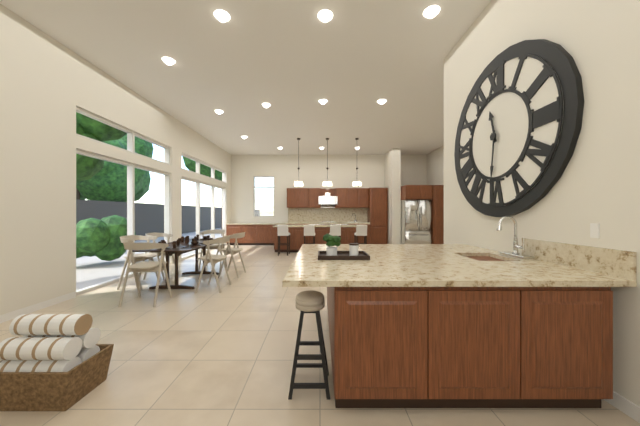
**11:31**
